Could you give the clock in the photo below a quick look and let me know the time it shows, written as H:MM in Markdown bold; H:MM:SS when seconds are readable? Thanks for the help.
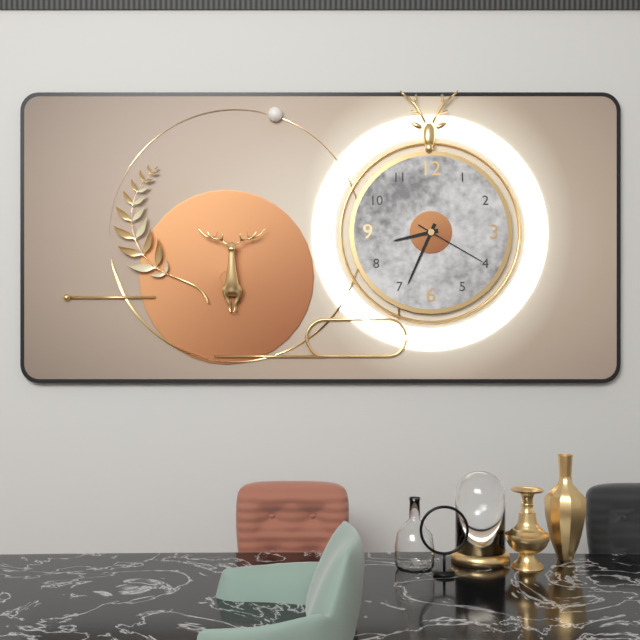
**8:34:20**
